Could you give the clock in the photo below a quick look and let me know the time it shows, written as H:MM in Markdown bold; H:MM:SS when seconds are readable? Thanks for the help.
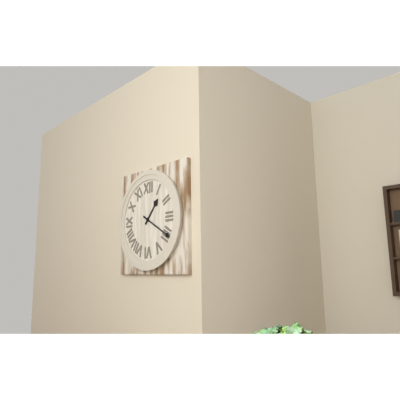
**1:20**
